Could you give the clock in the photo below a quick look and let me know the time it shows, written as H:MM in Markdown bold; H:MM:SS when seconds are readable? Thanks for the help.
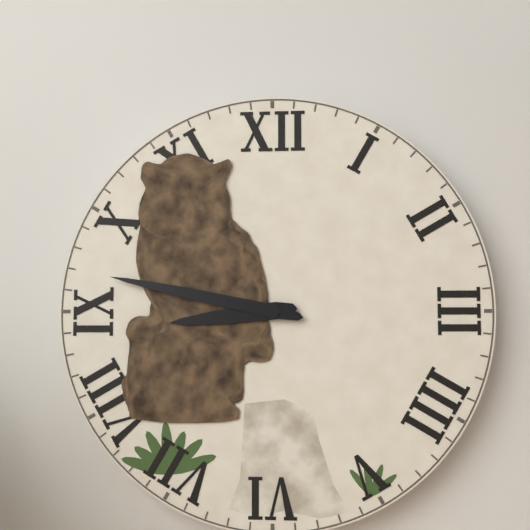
**8:47**
